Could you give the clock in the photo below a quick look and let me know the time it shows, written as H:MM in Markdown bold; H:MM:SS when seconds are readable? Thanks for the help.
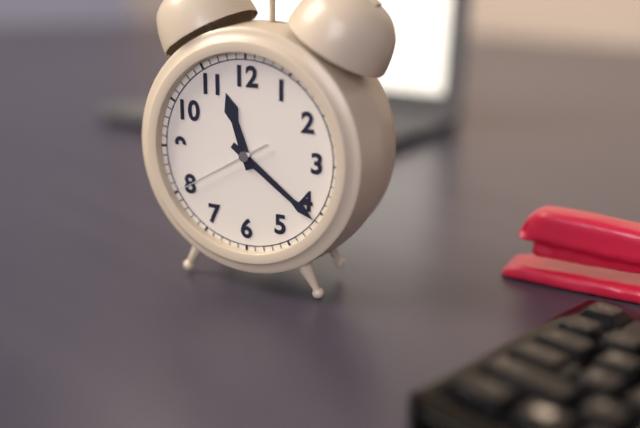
**11:21:40**
